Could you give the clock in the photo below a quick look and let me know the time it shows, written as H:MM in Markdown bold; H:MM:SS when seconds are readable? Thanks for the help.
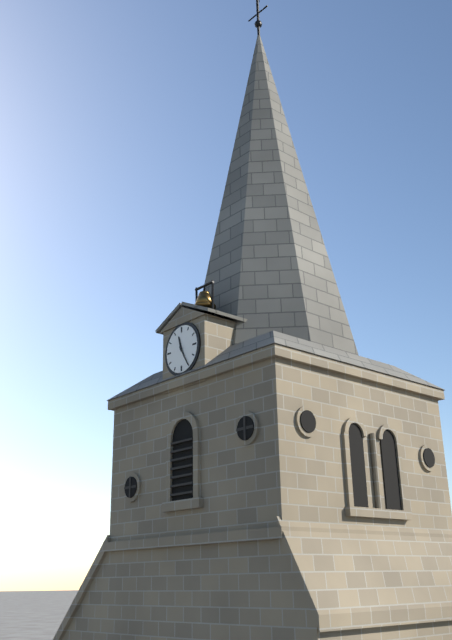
**11:25**
